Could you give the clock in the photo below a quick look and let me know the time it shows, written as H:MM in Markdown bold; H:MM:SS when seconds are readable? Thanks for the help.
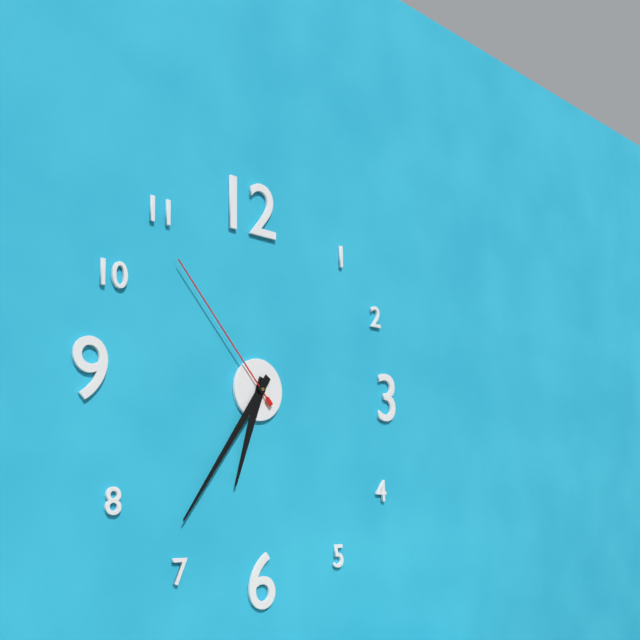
**6:36:53**
